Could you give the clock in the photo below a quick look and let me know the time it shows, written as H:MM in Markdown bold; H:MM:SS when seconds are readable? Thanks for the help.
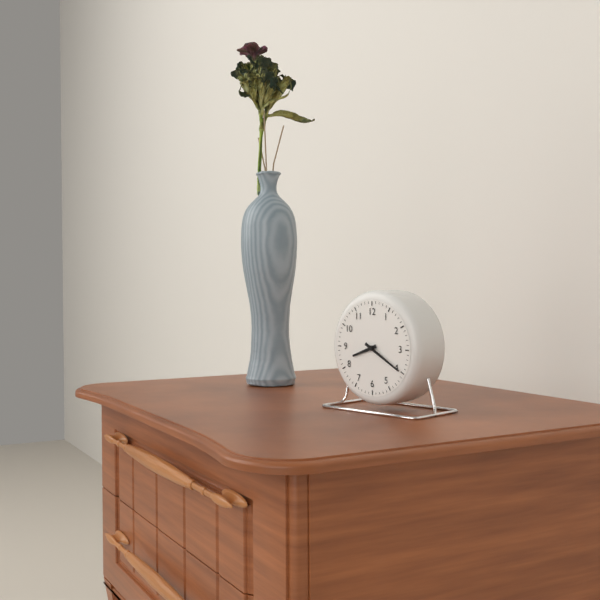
**8:20**
